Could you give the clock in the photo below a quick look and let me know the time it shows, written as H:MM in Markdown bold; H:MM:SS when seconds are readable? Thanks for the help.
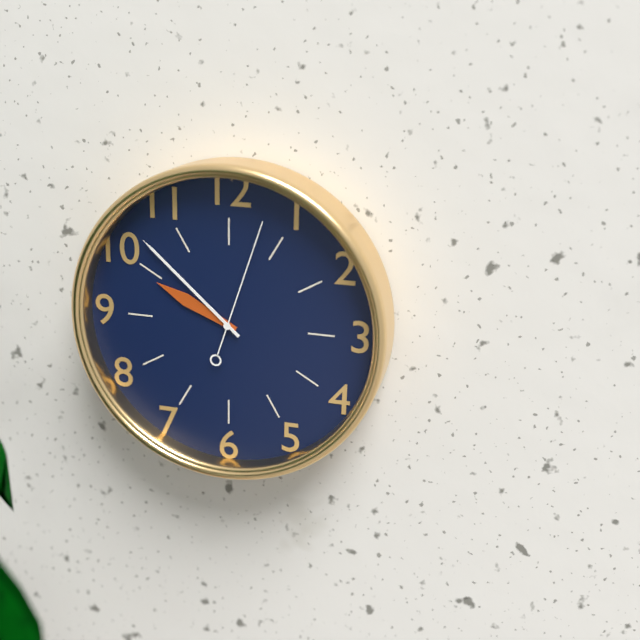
**9:52:03**
